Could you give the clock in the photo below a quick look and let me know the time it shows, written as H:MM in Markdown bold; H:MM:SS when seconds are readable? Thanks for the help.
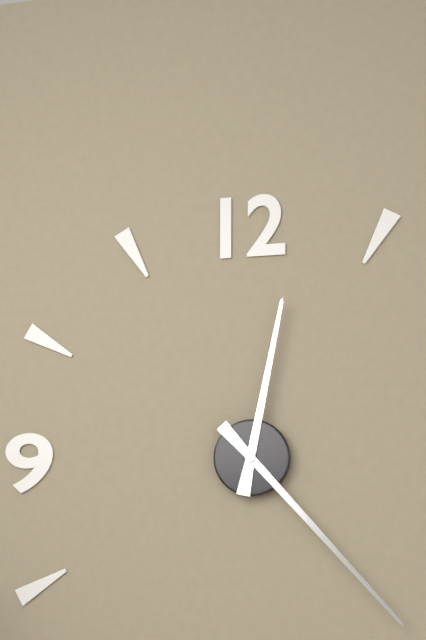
**12:23**
